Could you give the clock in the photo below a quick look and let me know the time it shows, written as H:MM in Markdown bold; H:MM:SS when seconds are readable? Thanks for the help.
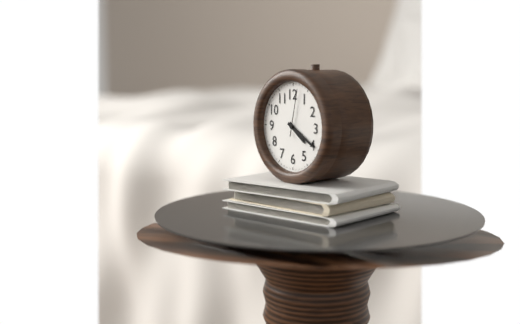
**4:20**
